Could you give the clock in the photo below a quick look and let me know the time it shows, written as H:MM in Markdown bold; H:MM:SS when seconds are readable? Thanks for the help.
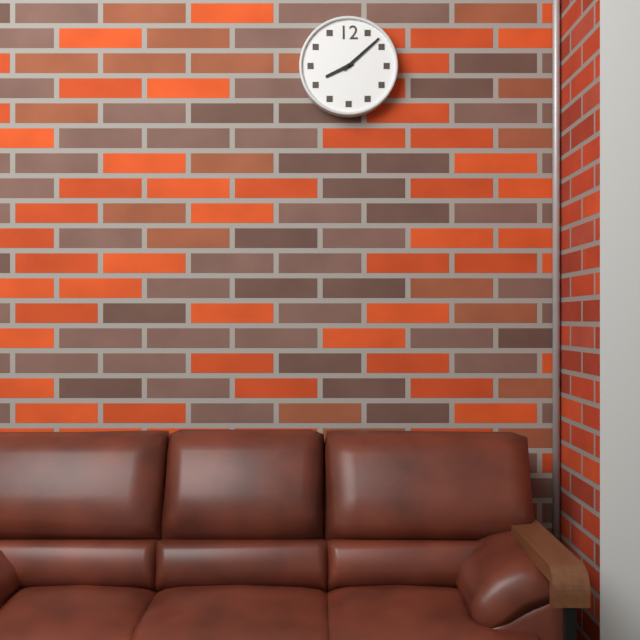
**8:08**
